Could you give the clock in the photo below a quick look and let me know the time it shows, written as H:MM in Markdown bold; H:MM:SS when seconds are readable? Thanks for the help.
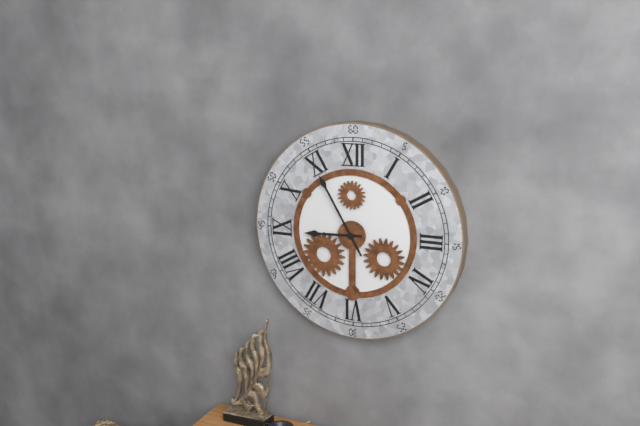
**8:55**
